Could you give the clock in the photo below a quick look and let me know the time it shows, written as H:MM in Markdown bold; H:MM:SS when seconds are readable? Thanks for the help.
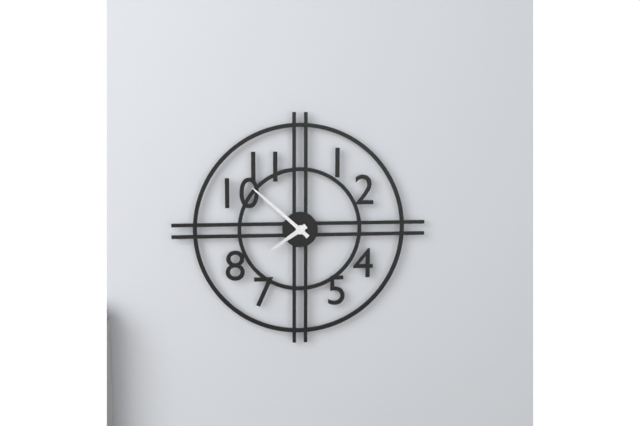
**7:52**
